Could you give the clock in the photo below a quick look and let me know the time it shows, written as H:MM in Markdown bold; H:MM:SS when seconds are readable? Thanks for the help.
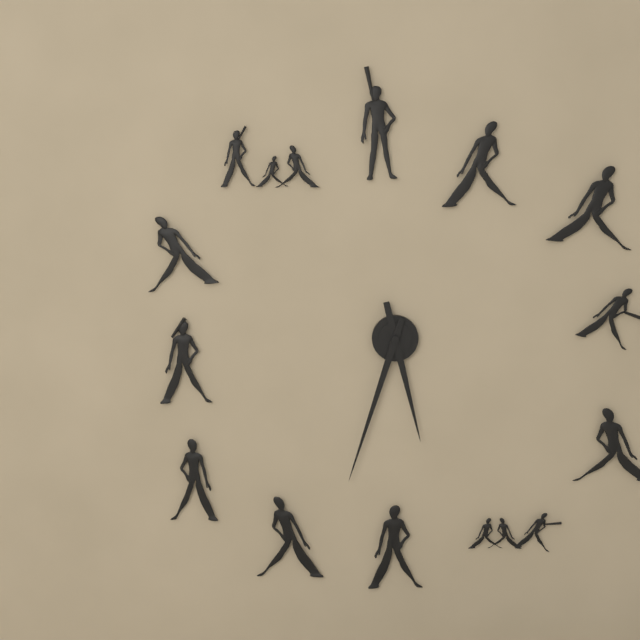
**5:33**
